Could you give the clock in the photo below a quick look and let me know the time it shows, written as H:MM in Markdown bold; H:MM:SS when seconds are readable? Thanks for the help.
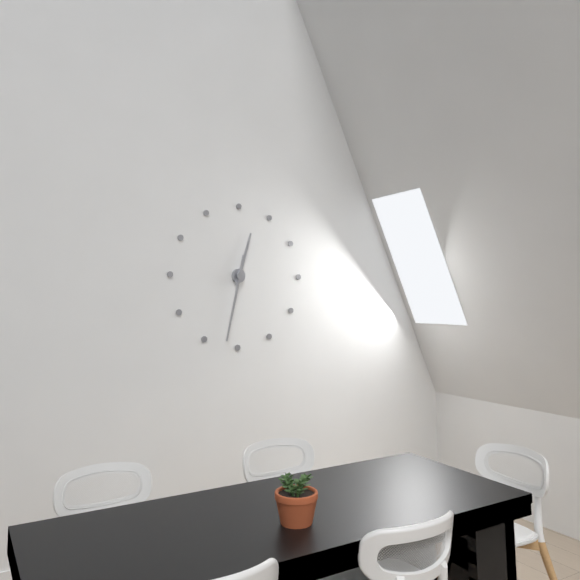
**12:32**
